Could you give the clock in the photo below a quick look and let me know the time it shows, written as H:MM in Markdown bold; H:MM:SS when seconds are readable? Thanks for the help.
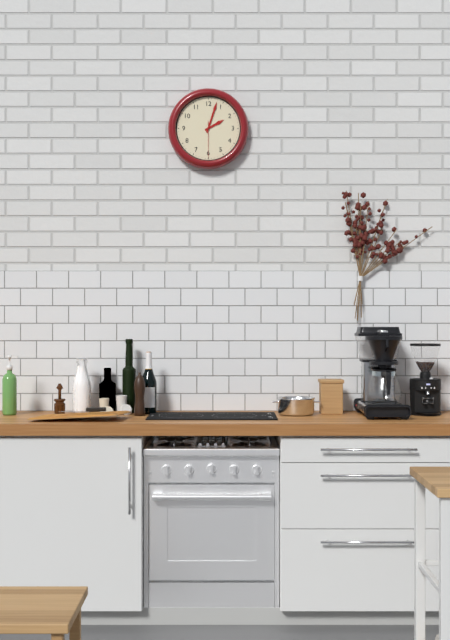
**2:03**
